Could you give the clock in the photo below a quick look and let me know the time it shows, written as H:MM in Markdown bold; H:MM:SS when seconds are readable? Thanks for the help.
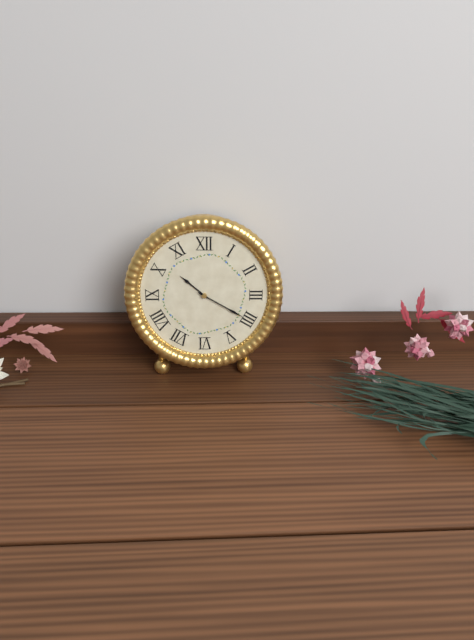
**10:20**
